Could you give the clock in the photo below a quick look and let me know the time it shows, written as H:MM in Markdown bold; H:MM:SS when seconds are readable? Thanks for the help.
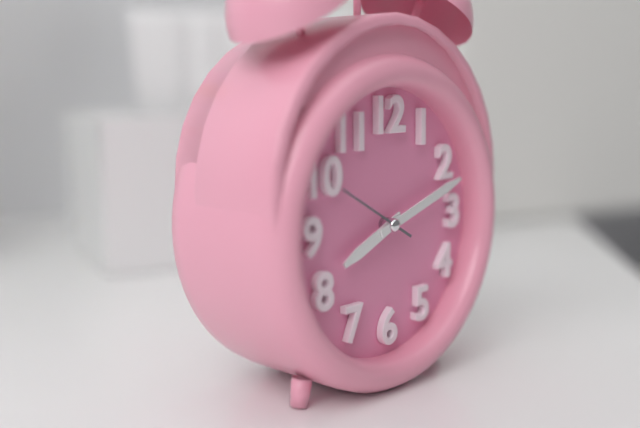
**8:12:50**
